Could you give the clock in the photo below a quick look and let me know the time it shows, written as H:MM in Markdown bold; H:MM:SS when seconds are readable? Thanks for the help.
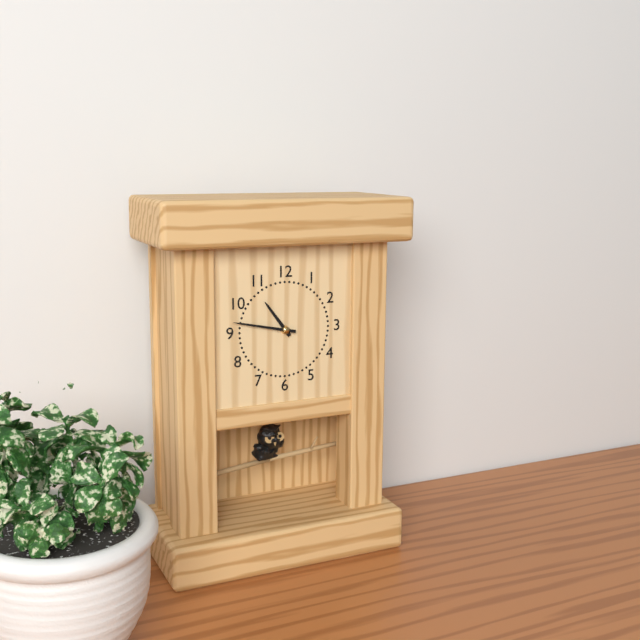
**10:47**
